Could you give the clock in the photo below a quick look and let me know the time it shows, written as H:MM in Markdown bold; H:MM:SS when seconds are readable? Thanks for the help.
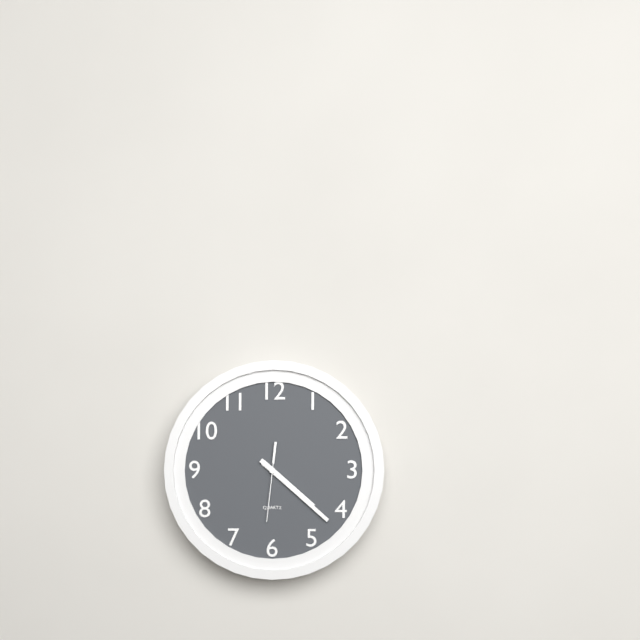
**4:22:31**
